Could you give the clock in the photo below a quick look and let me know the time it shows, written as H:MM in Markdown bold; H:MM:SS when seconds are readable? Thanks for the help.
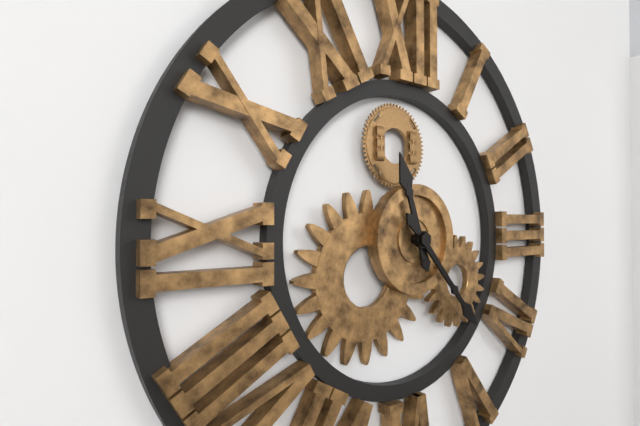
**11:23**
